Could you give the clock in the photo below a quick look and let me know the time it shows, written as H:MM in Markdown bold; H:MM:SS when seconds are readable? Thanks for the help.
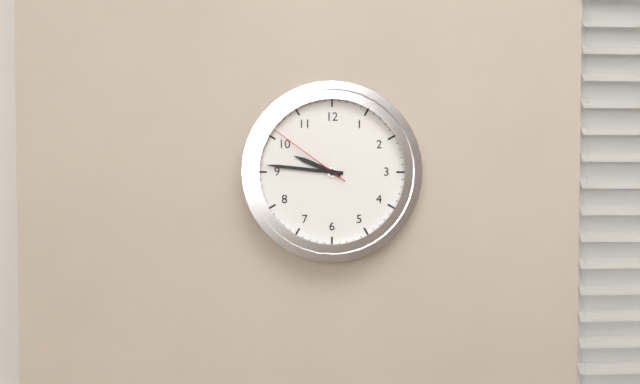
**9:46:51**
